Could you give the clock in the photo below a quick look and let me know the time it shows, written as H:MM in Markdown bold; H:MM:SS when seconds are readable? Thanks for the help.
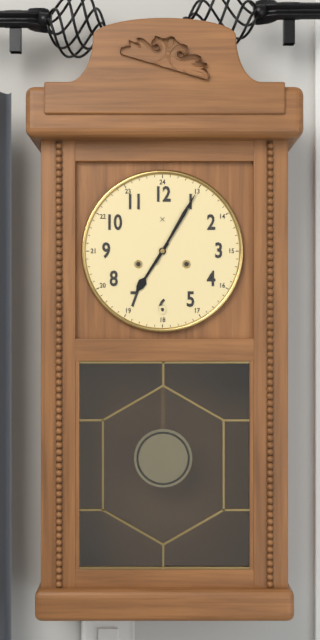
**7:05**
